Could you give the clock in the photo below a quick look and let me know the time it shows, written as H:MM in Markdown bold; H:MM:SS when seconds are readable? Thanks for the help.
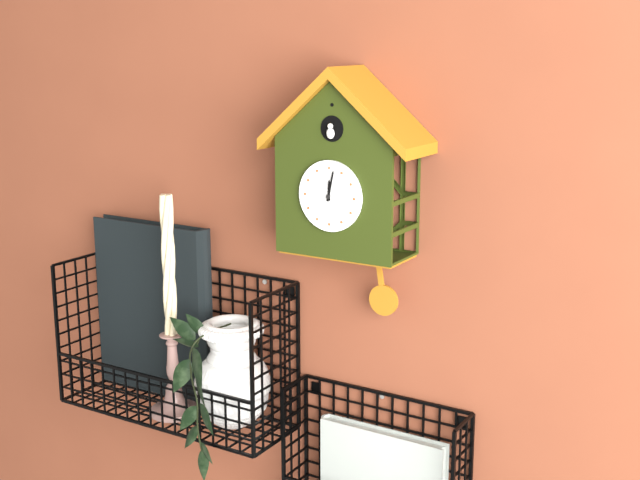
**12:02**
